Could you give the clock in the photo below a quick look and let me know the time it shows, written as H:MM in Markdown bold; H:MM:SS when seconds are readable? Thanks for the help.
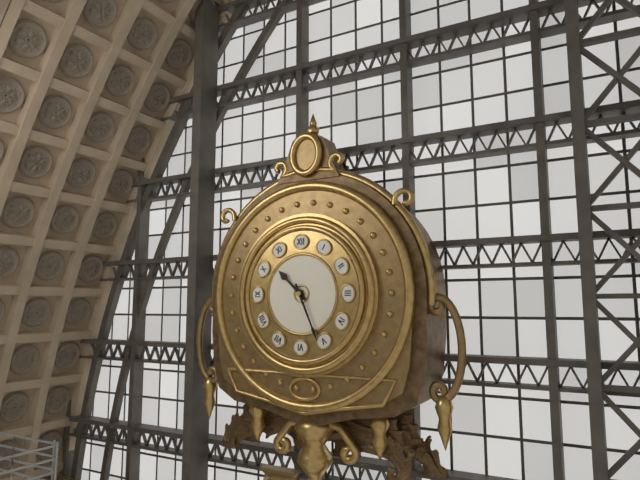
**10:26**
